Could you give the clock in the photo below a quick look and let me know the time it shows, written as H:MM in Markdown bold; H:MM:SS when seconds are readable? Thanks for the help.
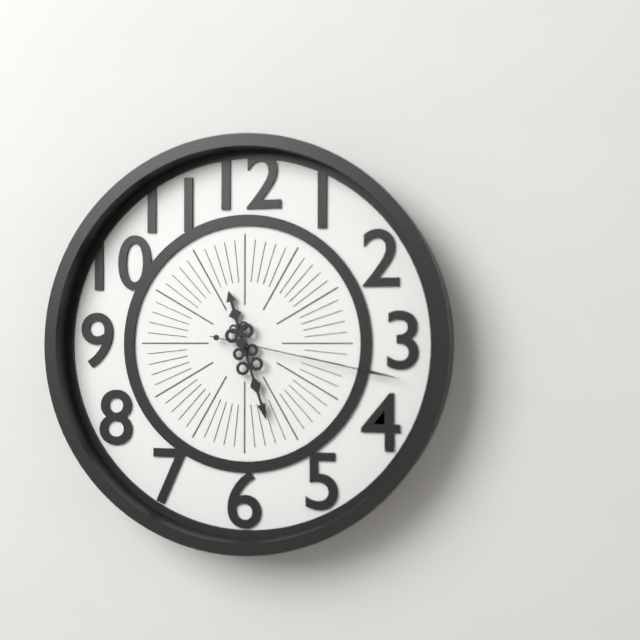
**11:27:17**
